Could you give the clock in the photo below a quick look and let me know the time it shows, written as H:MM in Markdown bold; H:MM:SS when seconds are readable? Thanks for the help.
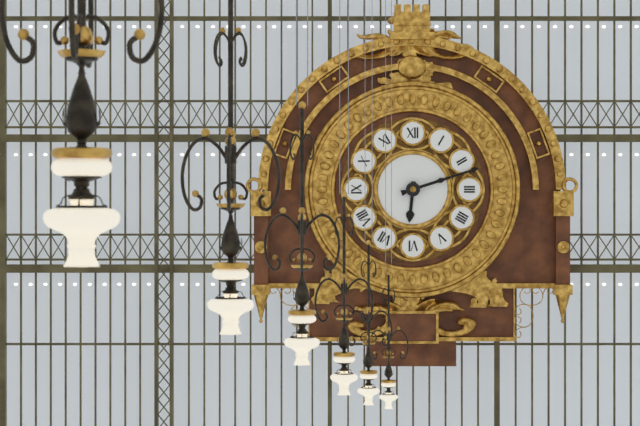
**6:12**
